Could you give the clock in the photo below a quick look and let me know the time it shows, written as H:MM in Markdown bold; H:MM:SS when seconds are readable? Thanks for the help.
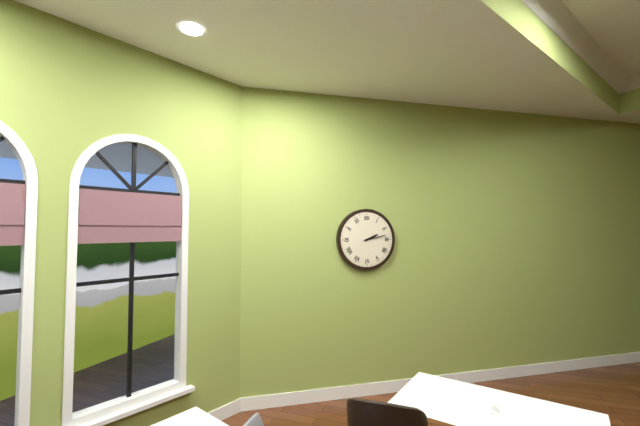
**2:13**
